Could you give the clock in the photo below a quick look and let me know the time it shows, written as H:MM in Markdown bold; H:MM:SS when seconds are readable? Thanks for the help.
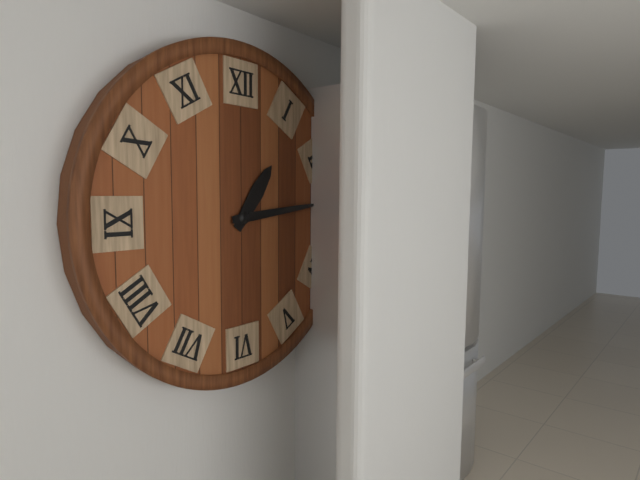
**1:14**
